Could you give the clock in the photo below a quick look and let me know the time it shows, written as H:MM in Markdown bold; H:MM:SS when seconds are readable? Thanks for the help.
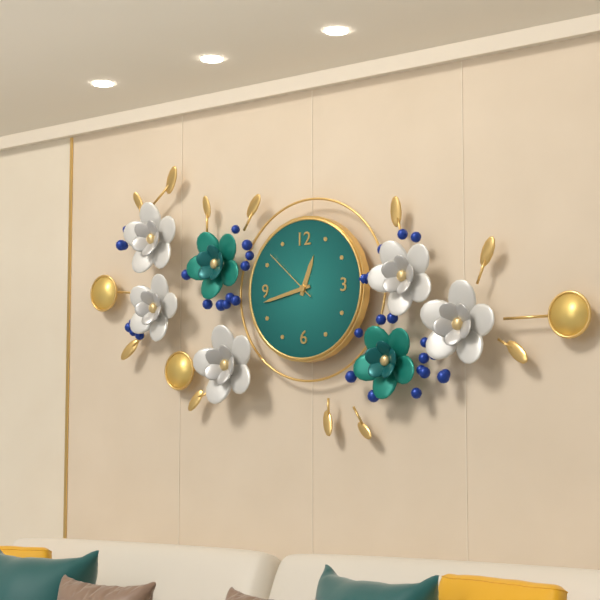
**12:43:52**
